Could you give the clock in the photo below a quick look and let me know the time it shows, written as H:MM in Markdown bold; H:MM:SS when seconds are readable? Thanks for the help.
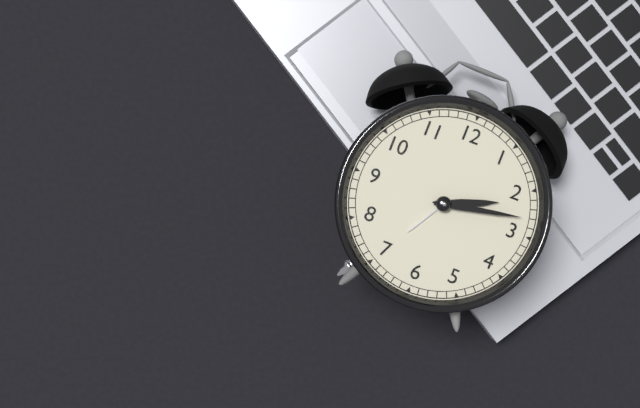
**2:13**
